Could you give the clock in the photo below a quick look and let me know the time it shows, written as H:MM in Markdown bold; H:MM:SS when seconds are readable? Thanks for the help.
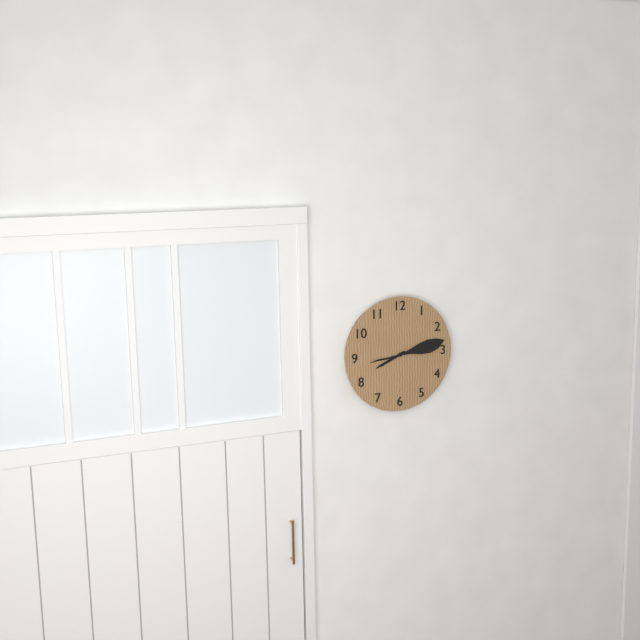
**8:13**
